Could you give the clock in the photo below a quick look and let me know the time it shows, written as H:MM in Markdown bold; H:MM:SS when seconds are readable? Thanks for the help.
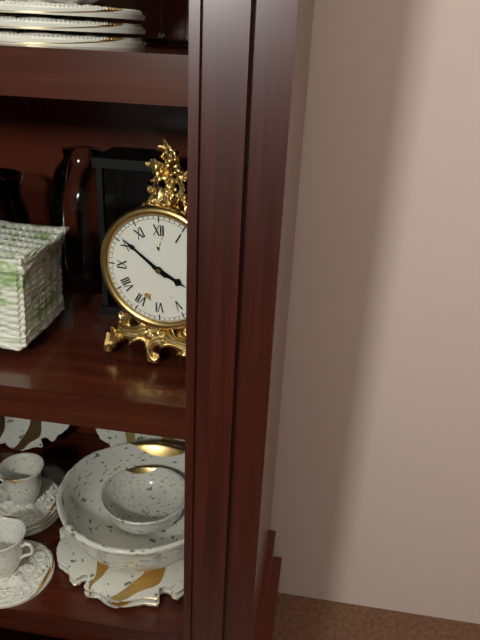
**3:51**
